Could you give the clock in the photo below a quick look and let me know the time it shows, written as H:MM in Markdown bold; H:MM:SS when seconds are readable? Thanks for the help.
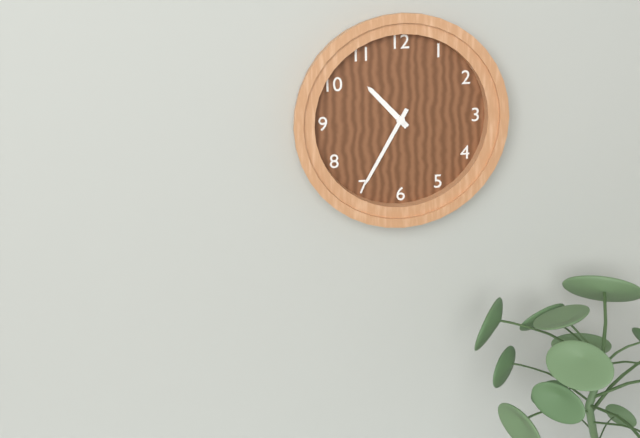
**10:35**
